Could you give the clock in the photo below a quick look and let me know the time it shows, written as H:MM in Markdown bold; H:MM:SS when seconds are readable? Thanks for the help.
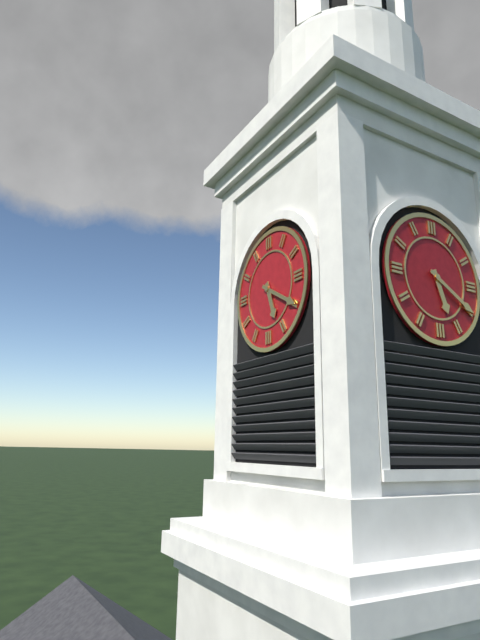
**5:20**
